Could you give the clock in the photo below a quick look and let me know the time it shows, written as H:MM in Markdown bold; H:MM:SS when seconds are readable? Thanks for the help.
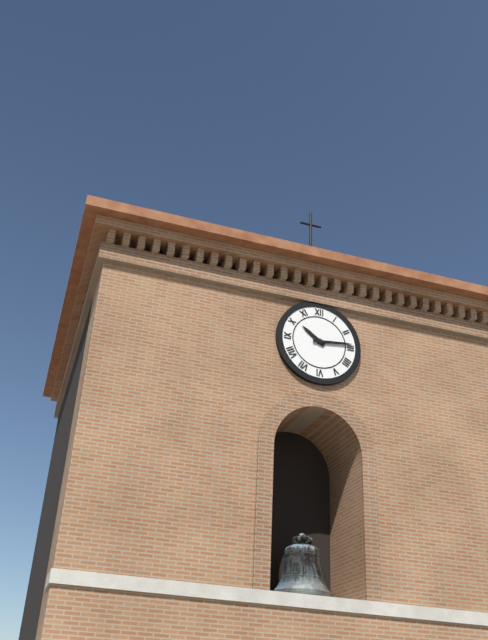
**10:14**
